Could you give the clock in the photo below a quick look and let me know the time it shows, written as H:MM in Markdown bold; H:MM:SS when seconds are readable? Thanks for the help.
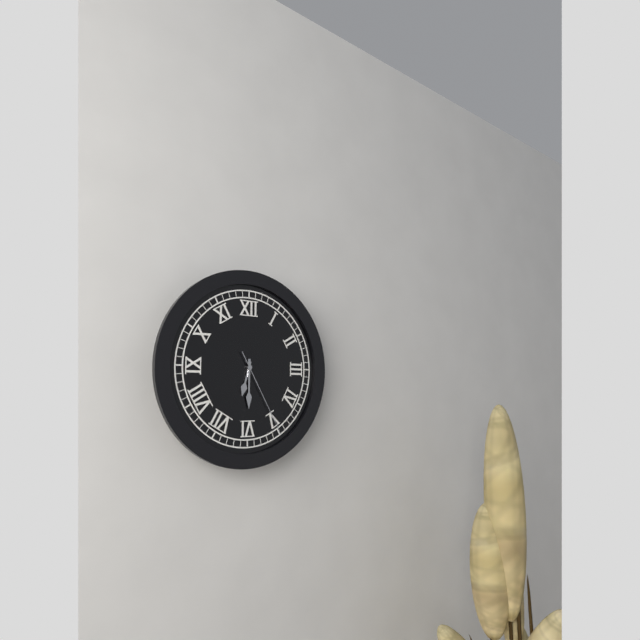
**6:30:25**
